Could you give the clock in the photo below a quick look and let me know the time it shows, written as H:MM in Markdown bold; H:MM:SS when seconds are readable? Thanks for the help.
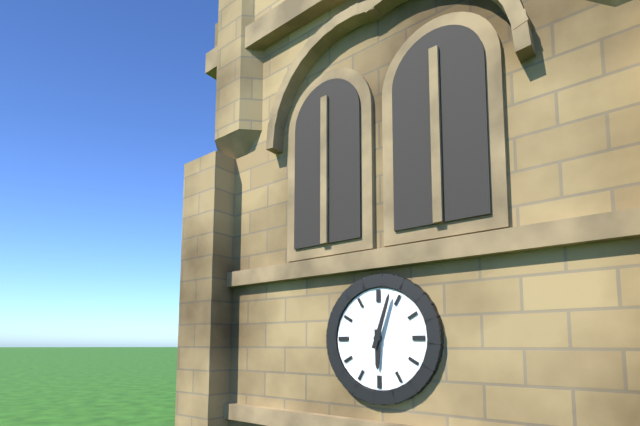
**6:03**
